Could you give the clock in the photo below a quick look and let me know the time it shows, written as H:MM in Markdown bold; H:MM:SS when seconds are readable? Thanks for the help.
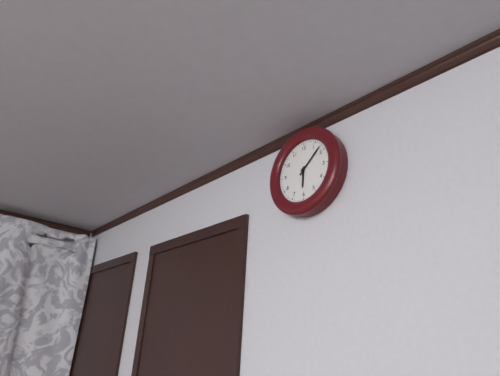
**6:08**
